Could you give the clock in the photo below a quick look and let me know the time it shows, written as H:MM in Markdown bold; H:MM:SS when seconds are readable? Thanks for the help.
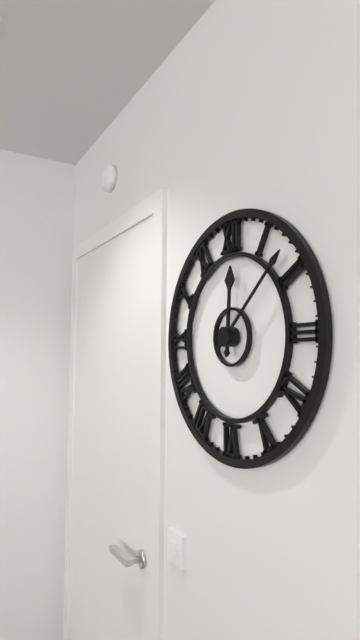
**12:08**
